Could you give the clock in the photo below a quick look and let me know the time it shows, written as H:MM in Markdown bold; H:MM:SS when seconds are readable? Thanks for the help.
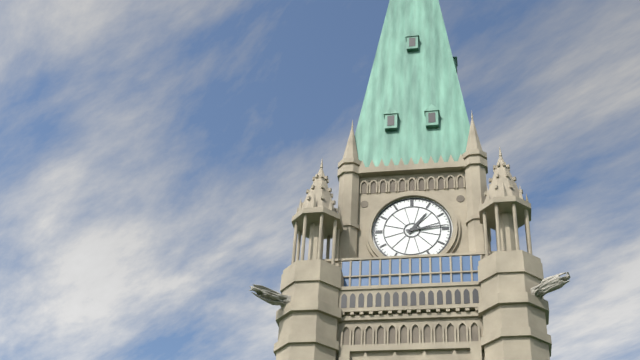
**1:14**
